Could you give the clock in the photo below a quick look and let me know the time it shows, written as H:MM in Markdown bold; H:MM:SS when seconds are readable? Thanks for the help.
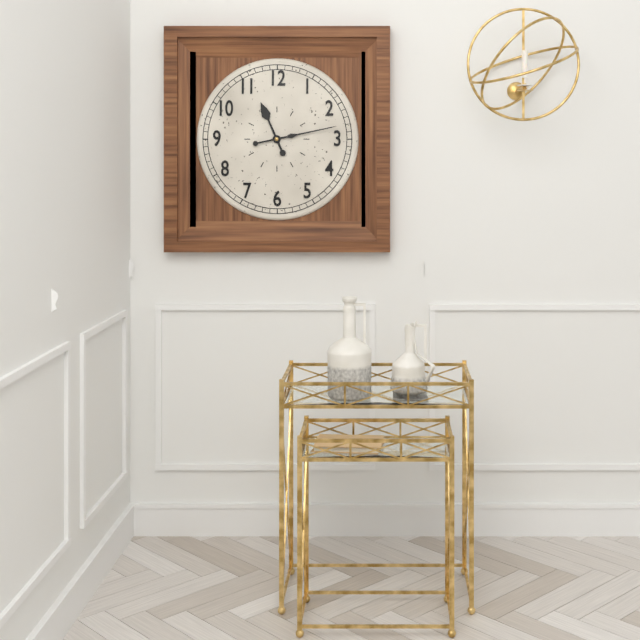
**11:13**
